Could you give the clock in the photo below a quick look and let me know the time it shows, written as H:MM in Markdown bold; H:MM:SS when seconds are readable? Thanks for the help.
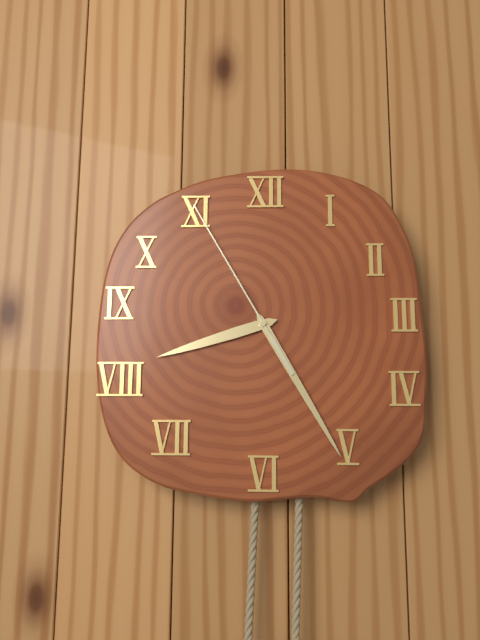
**8:25:55**
